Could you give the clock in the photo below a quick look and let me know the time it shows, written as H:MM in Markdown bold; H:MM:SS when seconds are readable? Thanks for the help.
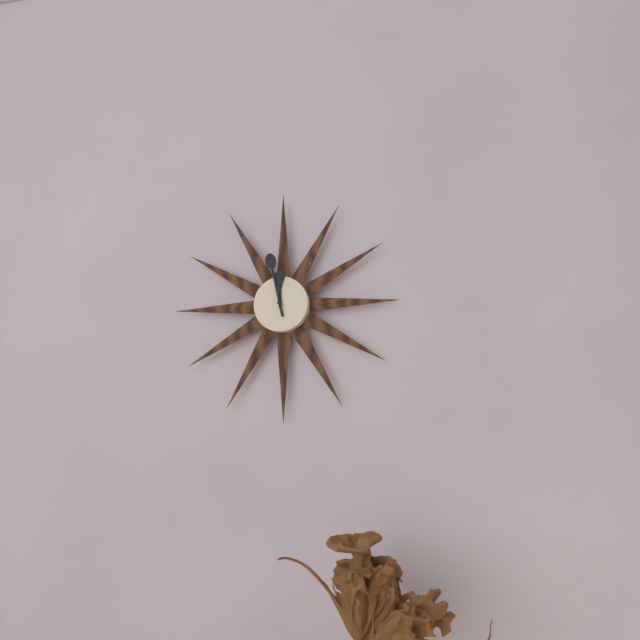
**11:58**
